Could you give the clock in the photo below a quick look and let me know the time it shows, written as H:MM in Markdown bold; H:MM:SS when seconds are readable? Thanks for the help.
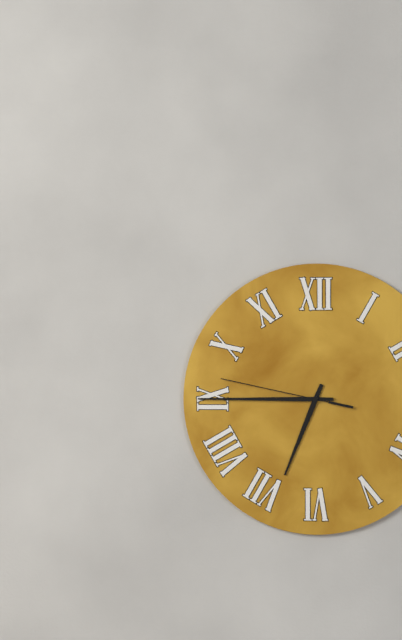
**6:45:47**
